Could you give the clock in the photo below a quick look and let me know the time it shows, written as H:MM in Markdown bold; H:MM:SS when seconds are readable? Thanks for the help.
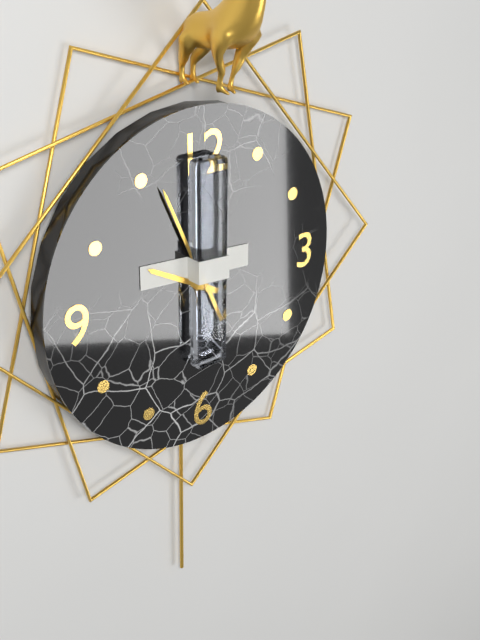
**9:56**
